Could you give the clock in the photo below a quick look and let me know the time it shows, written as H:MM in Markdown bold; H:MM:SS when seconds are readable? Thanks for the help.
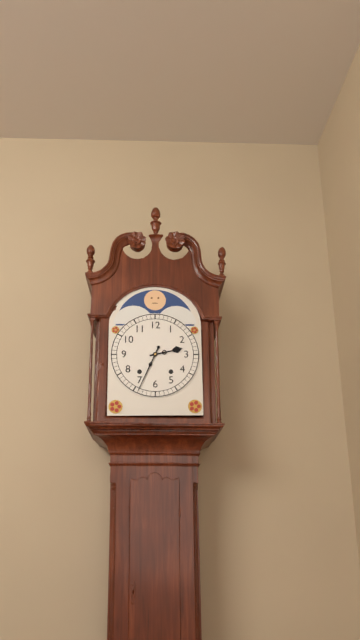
**2:34**
